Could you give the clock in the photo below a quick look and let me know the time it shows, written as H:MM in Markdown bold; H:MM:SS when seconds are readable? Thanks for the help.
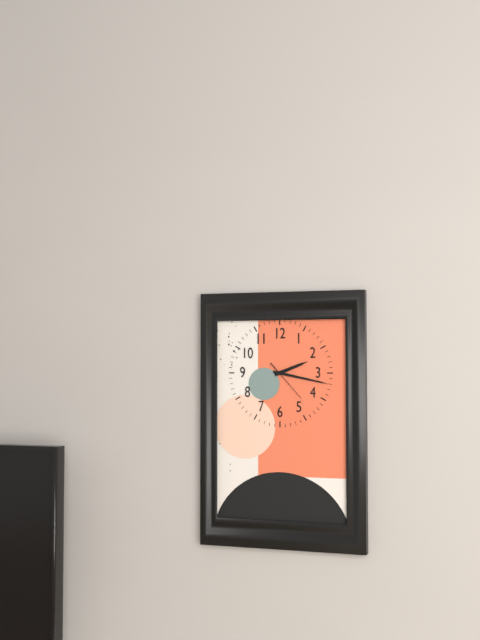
**2:17**
